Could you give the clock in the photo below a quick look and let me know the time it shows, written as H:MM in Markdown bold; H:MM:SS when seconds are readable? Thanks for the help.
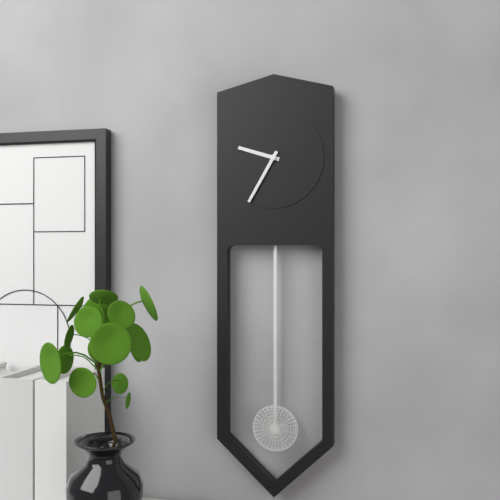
**9:35**
